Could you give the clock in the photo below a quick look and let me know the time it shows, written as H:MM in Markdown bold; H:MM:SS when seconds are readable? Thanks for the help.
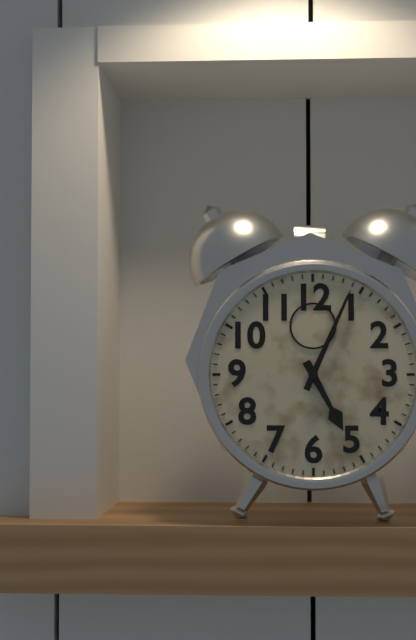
**5:04**
